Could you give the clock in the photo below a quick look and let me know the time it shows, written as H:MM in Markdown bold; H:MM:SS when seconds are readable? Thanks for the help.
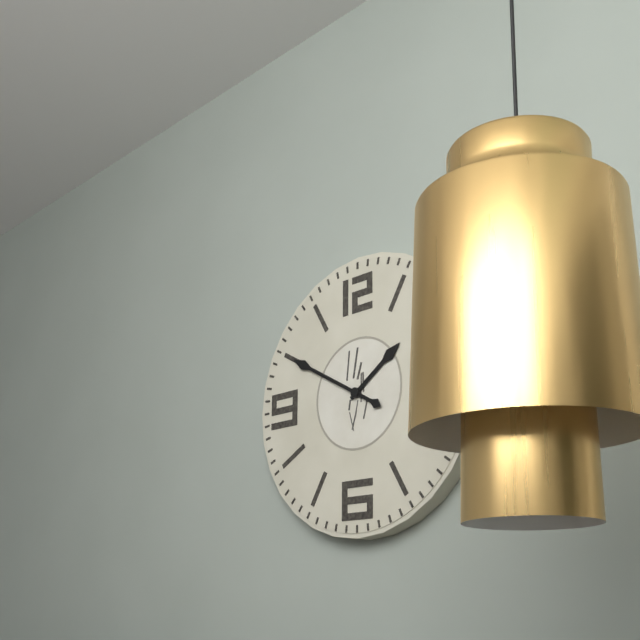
**1:50**
